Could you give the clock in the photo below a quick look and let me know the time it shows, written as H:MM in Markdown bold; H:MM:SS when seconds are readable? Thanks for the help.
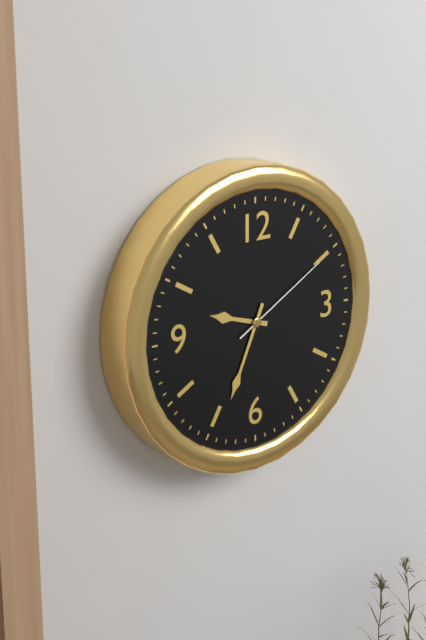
**9:34:10**
